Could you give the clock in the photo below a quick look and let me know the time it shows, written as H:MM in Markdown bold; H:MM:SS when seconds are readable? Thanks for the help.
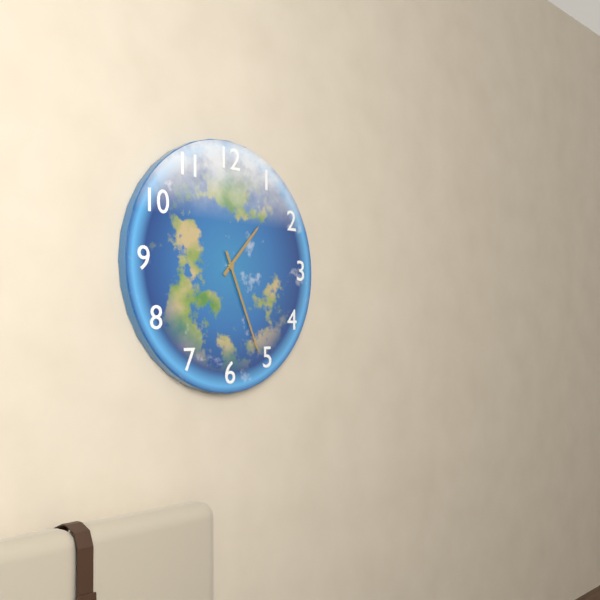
**1:26**
